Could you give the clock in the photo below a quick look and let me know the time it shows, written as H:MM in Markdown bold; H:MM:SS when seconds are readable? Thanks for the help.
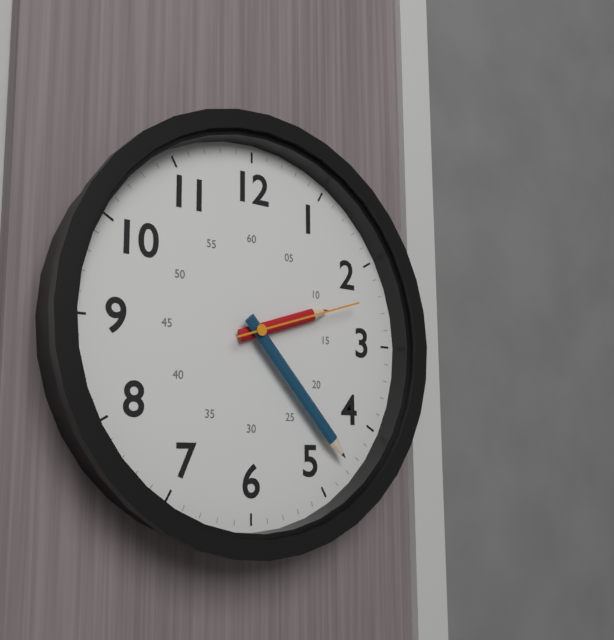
**2:23:12**
